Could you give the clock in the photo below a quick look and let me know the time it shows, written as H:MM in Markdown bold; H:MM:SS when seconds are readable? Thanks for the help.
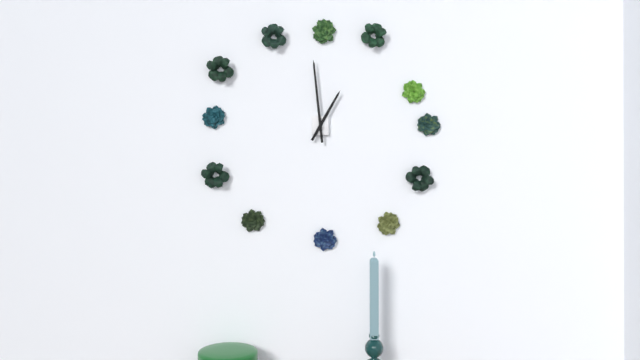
**12:59**
